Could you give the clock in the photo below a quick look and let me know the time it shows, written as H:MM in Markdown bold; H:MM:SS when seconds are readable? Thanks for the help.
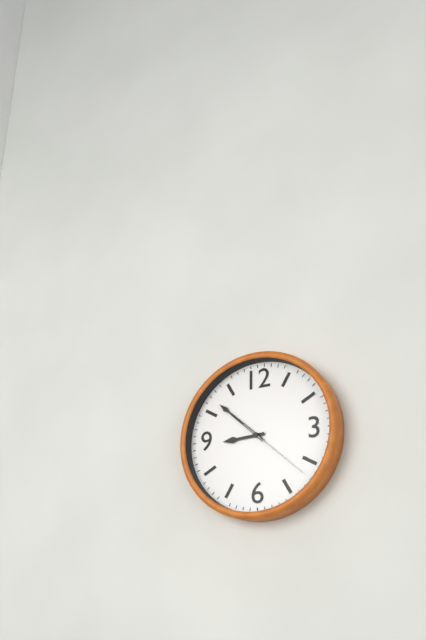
**8:52:22**
